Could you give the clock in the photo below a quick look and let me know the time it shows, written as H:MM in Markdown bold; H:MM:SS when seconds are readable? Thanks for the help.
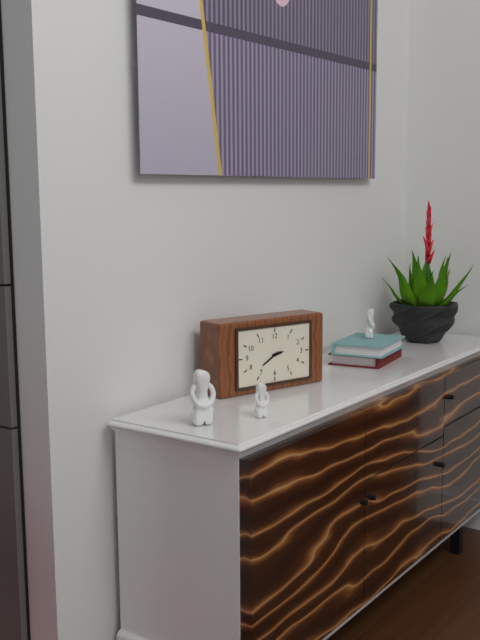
**2:40**
